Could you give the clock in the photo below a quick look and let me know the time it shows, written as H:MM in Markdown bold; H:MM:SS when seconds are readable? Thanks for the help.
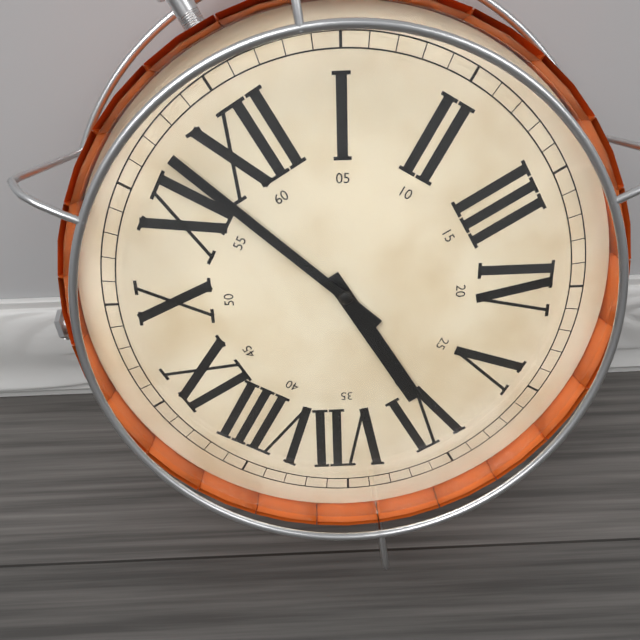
**5:57**
